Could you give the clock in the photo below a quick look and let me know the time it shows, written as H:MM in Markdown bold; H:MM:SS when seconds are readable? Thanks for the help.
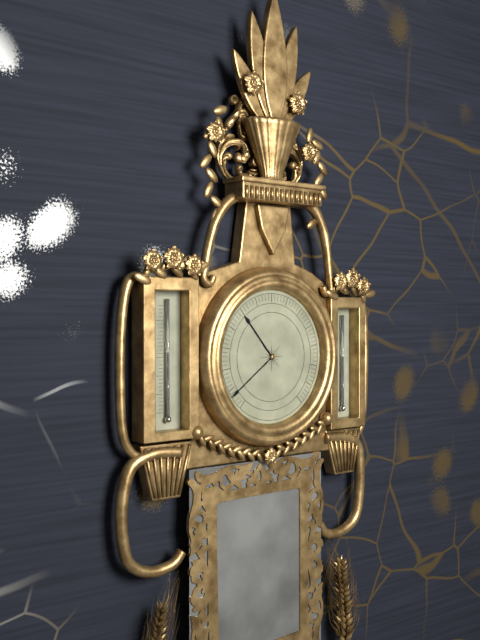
**10:39**
